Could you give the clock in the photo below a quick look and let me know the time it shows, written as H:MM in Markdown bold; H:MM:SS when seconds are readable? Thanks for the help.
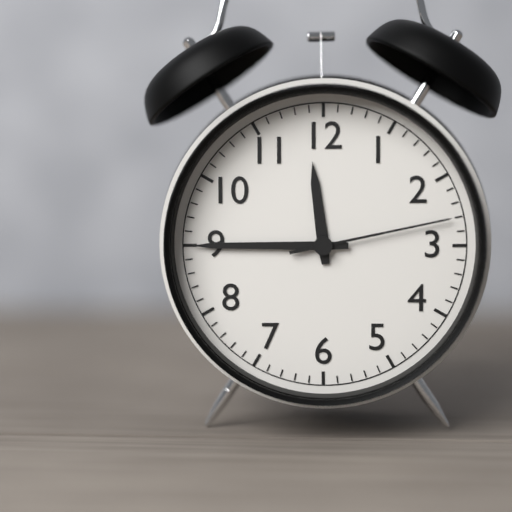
**11:45:13**
